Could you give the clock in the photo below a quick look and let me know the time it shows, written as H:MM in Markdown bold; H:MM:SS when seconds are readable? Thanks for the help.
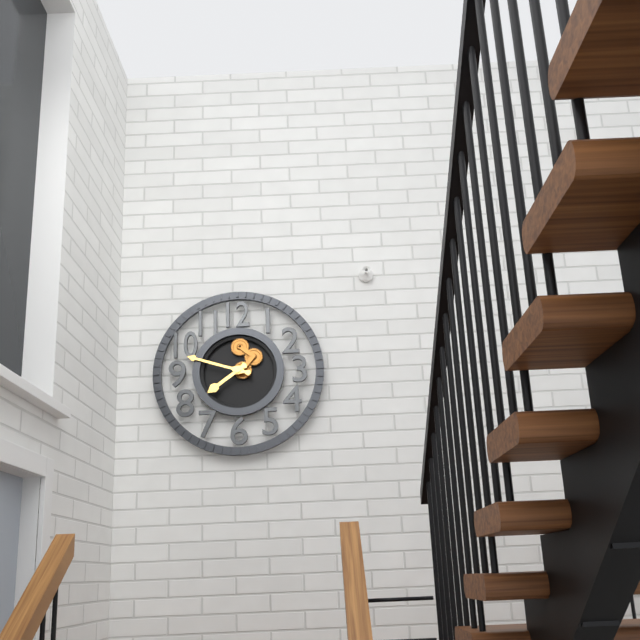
**7:48**
